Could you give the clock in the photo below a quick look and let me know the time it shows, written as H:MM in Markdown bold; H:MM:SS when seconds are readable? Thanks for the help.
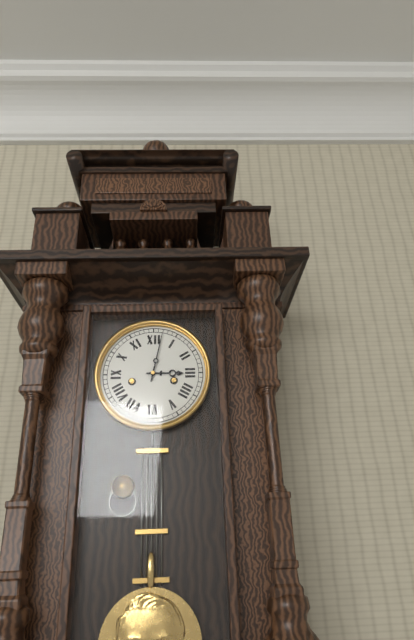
**3:02**
